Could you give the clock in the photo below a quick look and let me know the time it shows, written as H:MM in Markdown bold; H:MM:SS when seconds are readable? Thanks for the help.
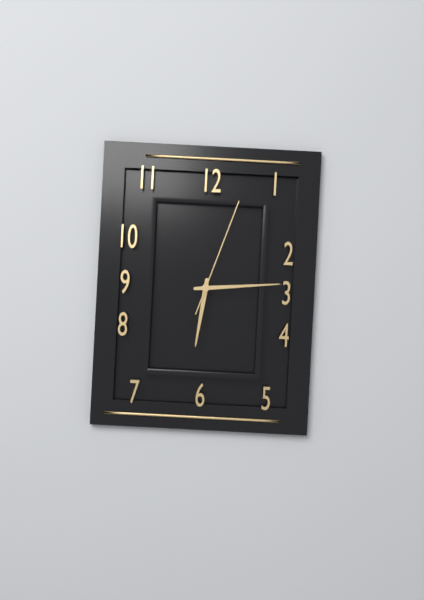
**6:14:03**
